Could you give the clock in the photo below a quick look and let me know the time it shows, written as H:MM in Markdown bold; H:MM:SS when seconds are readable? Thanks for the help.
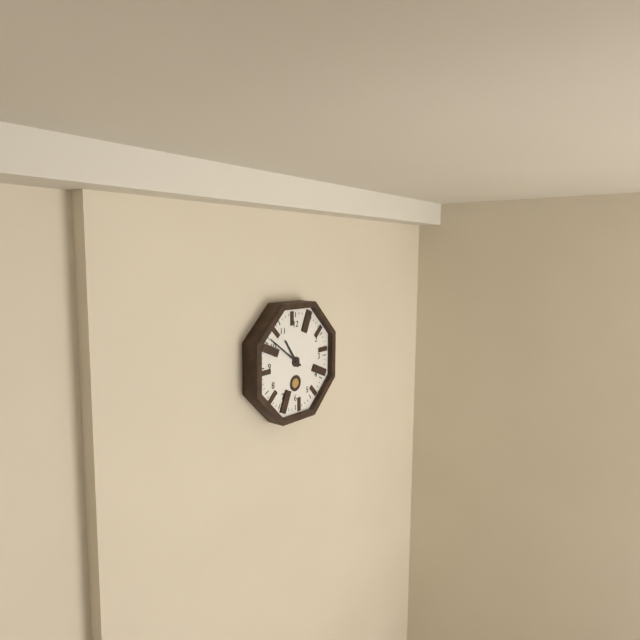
**10:51**
